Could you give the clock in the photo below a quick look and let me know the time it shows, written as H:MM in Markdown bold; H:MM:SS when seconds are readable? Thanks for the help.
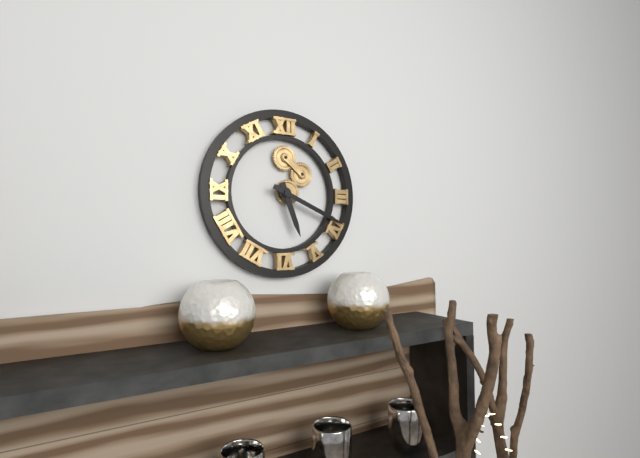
**5:19**
